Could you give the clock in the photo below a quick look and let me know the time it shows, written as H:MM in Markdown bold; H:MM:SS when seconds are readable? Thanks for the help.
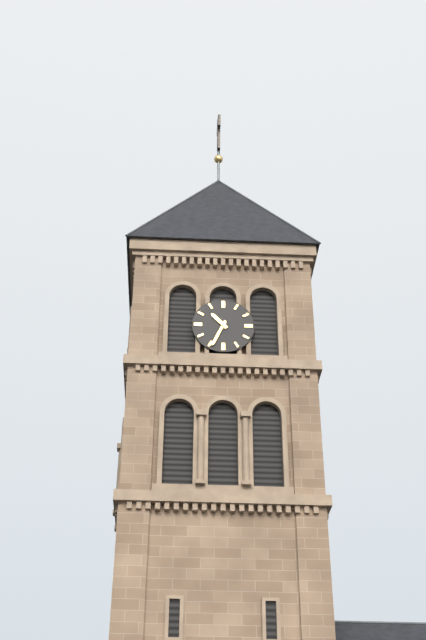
**10:34**
